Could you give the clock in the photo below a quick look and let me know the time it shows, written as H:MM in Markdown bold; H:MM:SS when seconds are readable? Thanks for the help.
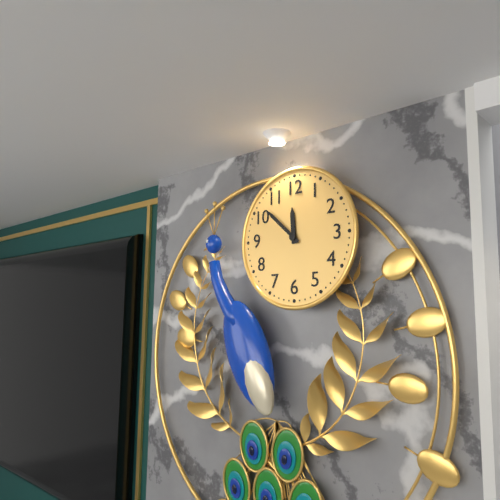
**11:52**
